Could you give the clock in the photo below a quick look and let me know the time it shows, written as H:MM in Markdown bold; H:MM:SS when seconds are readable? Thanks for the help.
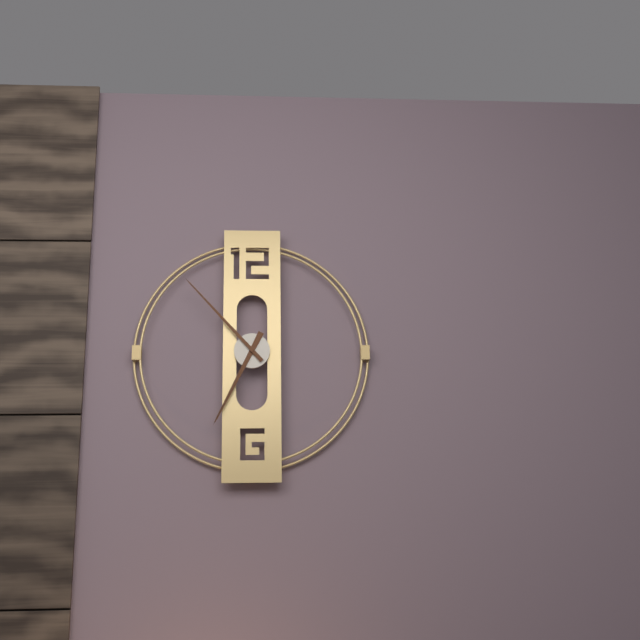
**6:53**
